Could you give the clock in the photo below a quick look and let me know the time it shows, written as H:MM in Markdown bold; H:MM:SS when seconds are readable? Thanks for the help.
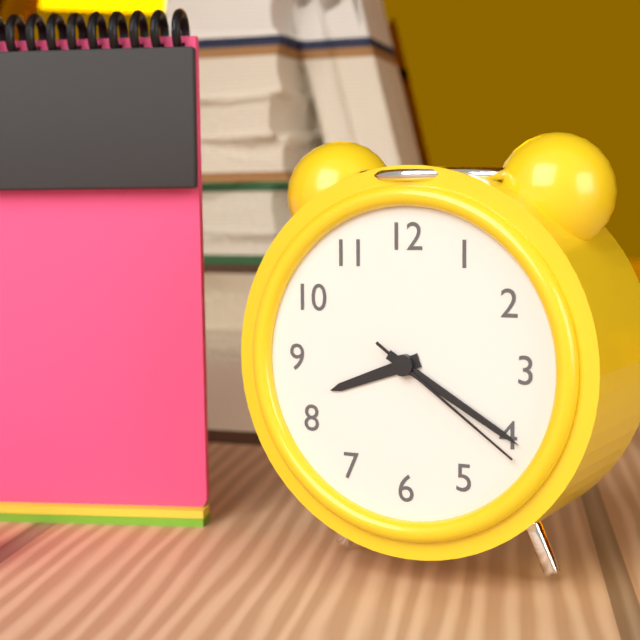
**8:20:21**
